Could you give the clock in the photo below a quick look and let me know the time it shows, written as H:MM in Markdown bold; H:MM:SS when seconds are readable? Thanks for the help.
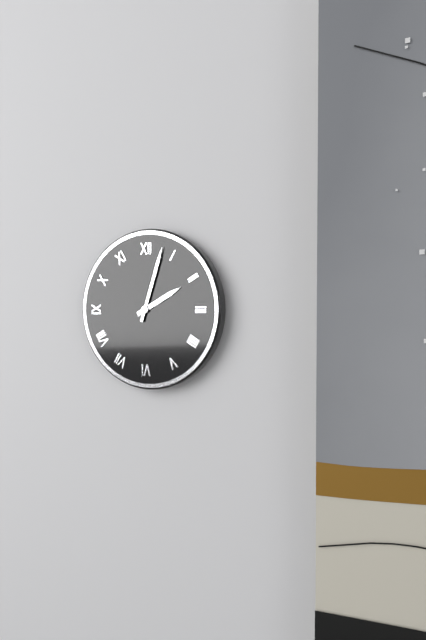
**2:03**
